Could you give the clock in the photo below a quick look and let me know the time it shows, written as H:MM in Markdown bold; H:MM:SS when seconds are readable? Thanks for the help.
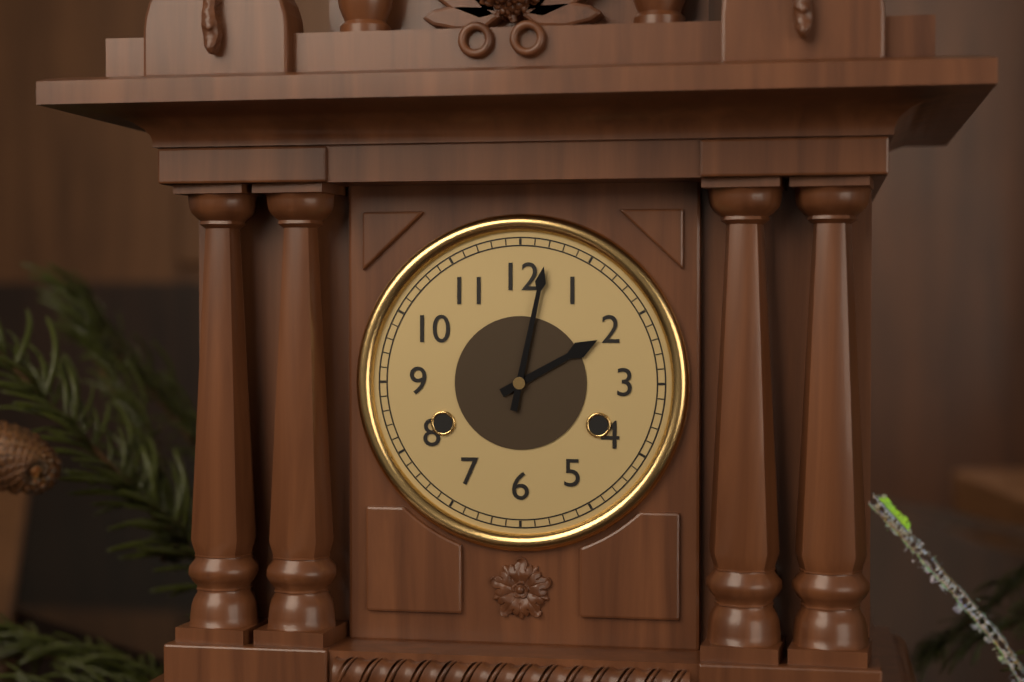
**2:02**
